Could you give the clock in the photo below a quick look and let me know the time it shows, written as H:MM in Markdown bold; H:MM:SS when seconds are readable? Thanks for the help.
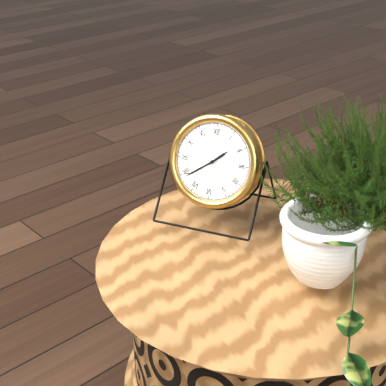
**1:39**
